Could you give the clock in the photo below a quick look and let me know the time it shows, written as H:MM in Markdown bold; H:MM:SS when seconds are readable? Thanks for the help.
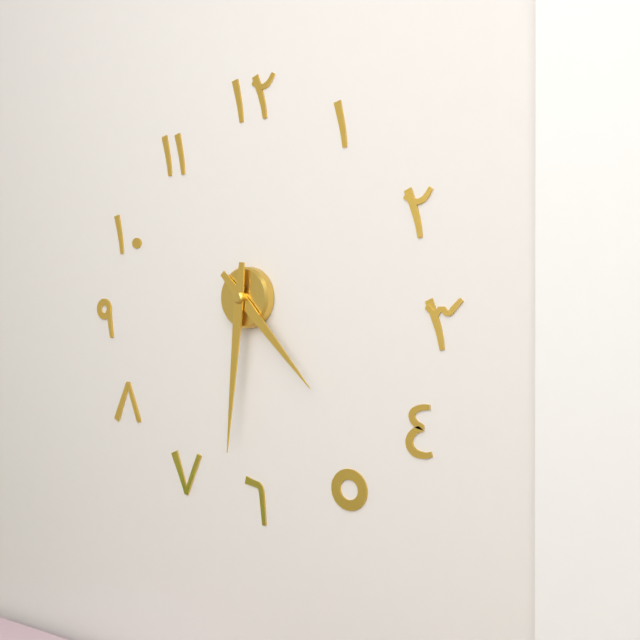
**4:31**
